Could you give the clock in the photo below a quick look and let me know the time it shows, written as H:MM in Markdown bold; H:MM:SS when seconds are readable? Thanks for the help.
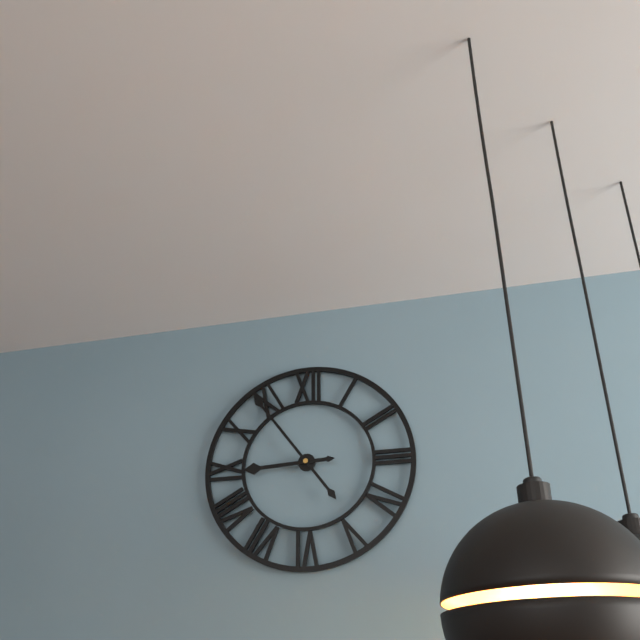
**8:54**
